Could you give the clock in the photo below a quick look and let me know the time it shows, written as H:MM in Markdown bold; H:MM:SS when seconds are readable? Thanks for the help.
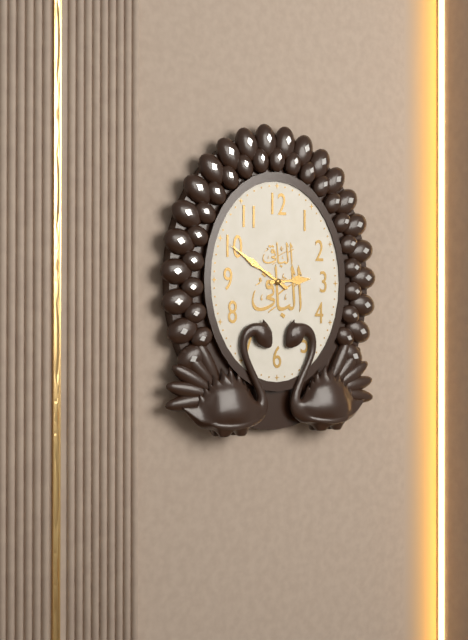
**2:50**
